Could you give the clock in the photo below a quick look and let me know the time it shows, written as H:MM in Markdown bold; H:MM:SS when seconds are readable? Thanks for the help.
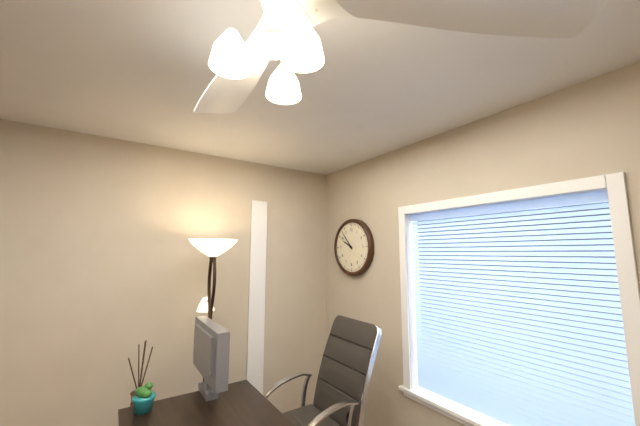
**9:53**
